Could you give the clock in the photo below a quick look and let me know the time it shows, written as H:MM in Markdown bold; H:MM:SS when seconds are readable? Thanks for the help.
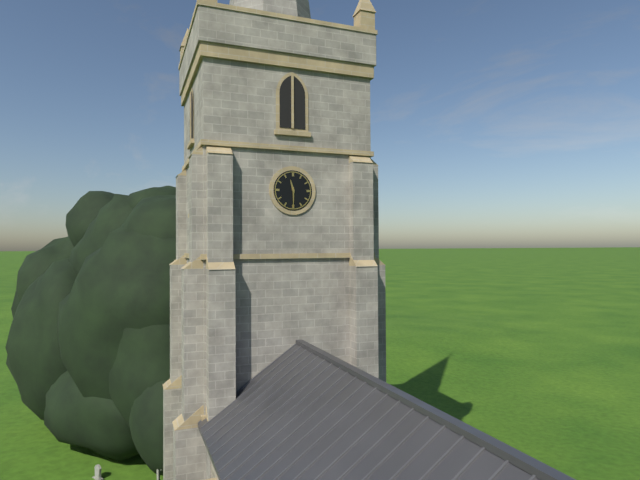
**11:30**
